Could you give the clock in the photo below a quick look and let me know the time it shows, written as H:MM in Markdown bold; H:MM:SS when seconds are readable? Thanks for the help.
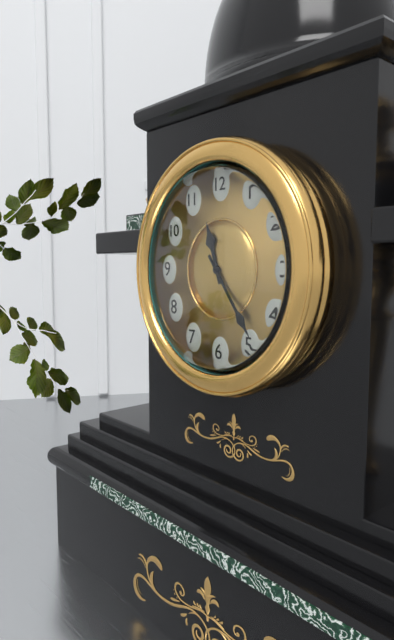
**11:24**
